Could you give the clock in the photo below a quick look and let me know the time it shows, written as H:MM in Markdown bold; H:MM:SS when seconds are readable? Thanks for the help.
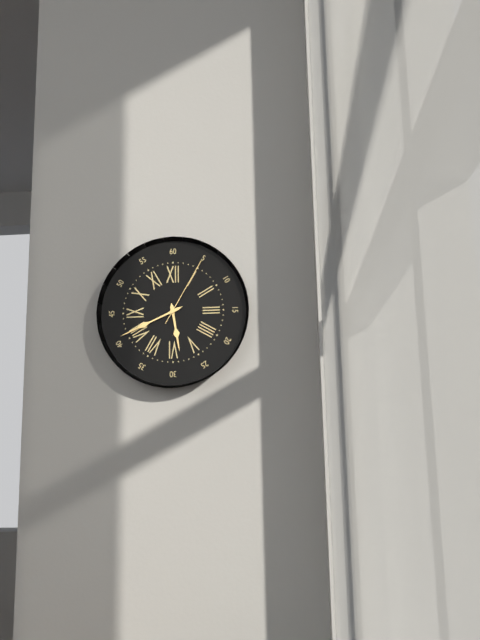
**5:41:05**
